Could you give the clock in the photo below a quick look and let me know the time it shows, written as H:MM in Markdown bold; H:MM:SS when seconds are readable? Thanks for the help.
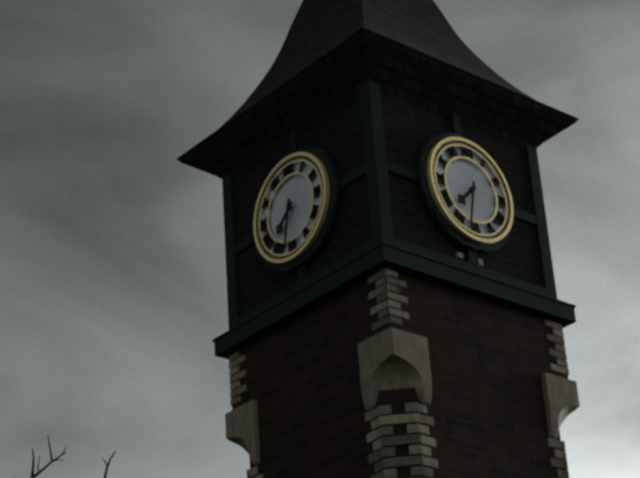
**7:32**
